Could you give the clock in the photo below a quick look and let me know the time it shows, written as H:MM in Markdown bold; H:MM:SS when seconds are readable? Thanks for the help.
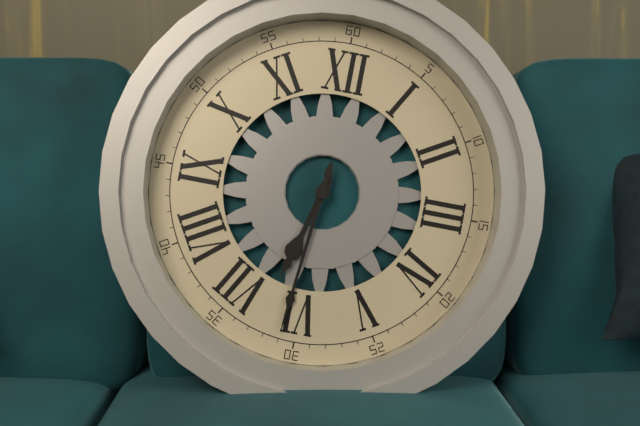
**6:31**
